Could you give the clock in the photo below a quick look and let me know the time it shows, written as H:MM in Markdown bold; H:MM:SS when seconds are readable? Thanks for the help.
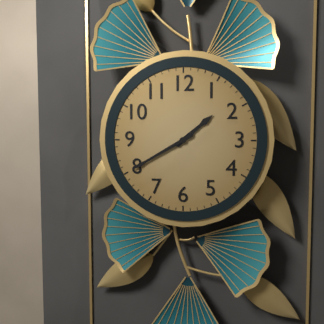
**1:40**
